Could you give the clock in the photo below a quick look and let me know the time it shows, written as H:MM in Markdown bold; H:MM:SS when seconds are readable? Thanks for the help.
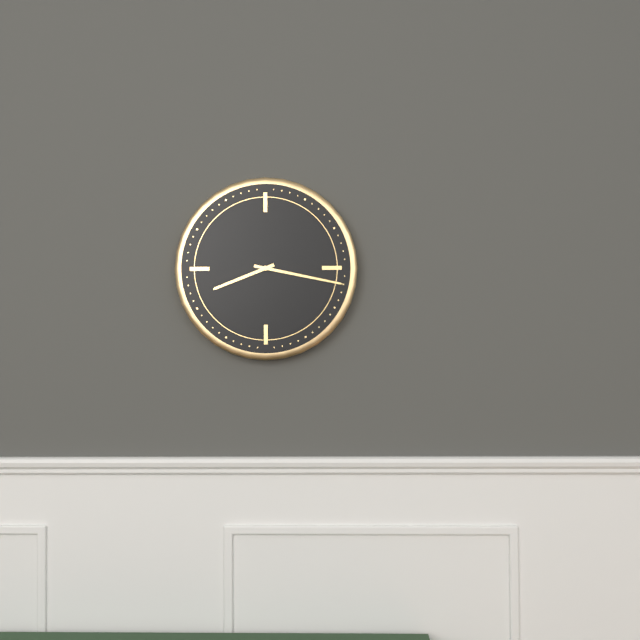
**8:17**
